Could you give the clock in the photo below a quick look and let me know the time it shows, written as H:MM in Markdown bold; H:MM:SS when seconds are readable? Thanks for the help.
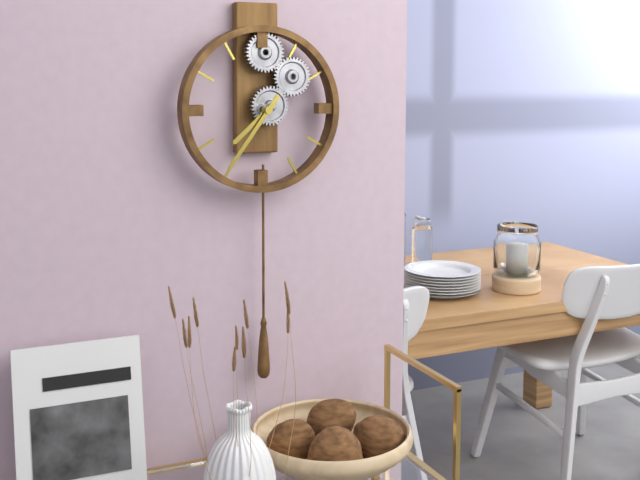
**7:36**
